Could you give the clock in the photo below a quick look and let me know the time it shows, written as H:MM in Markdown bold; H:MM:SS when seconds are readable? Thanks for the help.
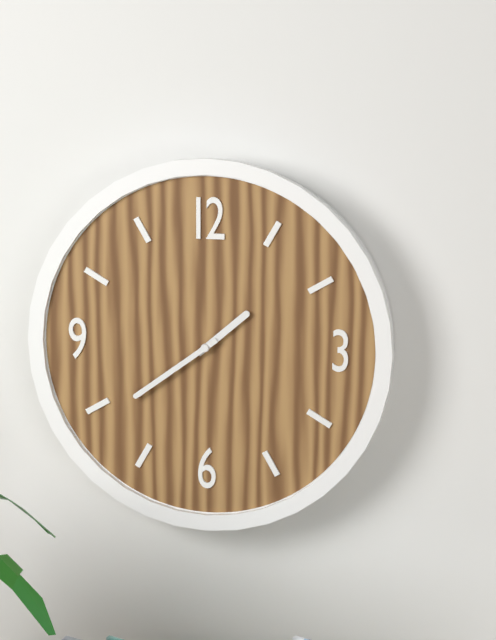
**1:39**
